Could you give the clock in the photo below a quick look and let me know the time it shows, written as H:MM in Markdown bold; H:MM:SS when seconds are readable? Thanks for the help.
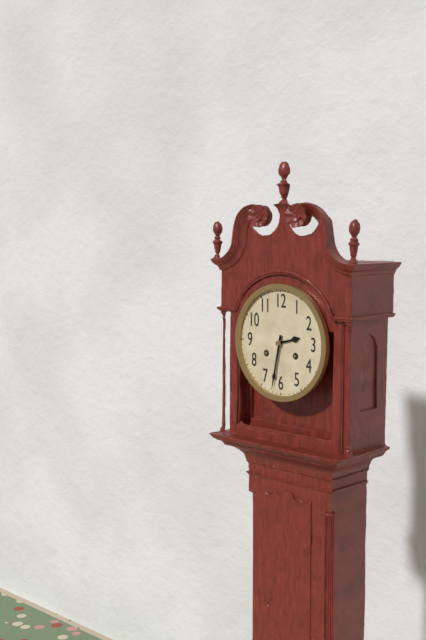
**2:32**
